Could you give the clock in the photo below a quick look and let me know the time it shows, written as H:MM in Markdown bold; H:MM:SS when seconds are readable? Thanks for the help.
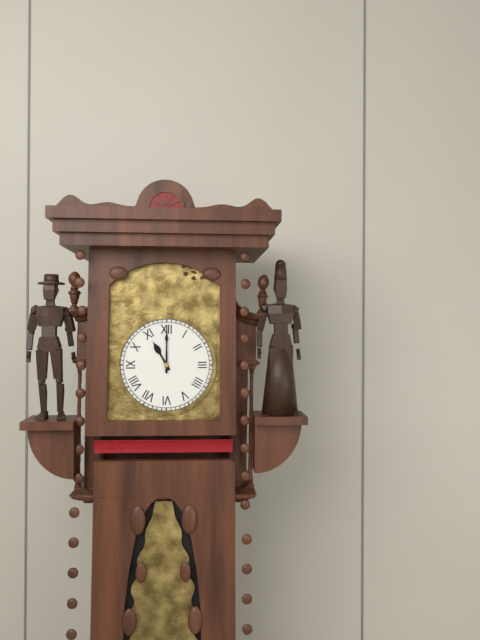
**11:00**
